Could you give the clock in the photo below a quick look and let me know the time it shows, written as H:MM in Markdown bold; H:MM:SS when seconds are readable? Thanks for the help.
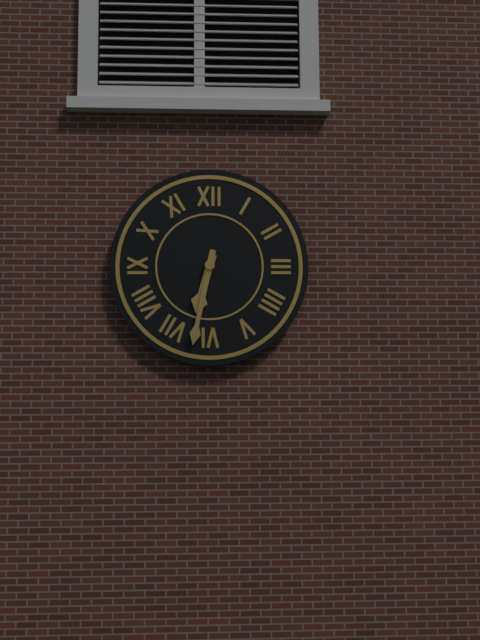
**6:32**
